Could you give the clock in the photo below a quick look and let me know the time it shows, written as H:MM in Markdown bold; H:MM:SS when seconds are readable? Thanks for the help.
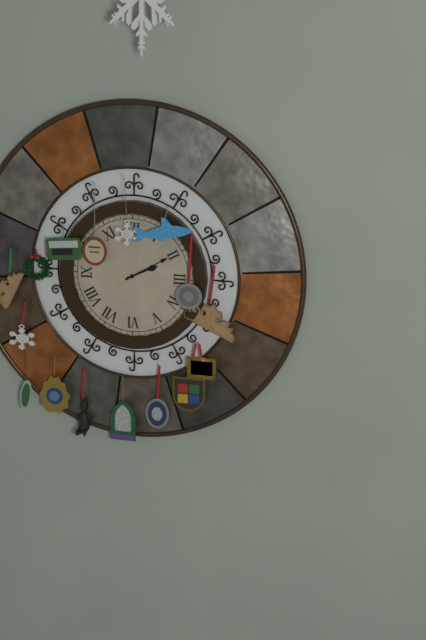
**2:10**
